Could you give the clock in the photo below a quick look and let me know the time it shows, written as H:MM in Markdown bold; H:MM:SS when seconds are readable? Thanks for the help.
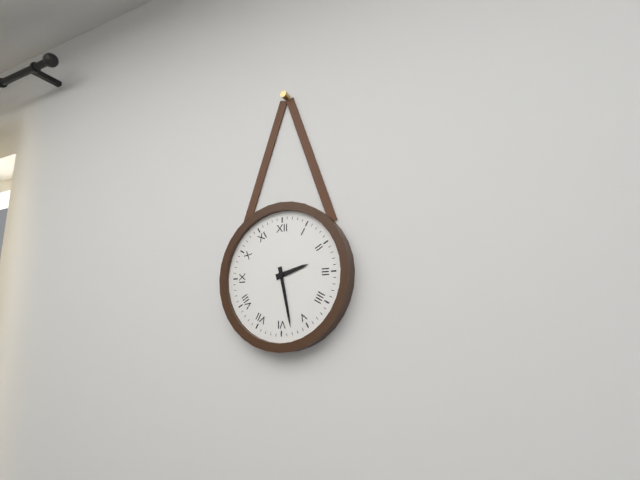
**2:28**
